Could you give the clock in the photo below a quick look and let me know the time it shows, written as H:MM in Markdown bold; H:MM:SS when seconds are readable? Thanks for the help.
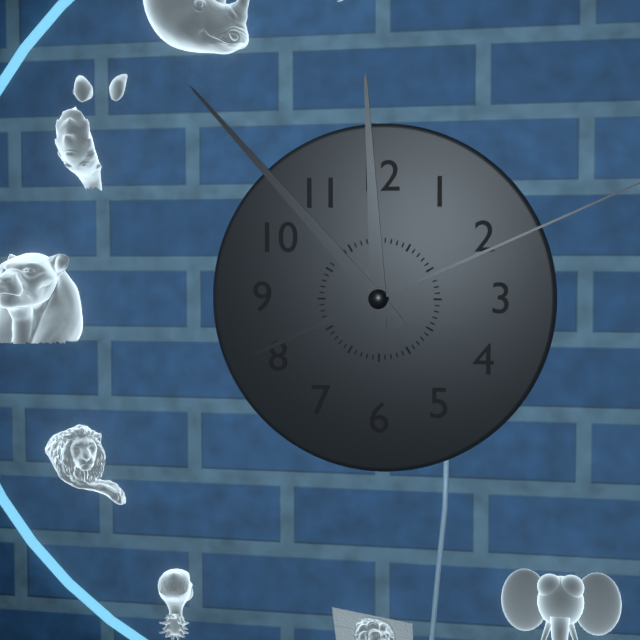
**11:53**
